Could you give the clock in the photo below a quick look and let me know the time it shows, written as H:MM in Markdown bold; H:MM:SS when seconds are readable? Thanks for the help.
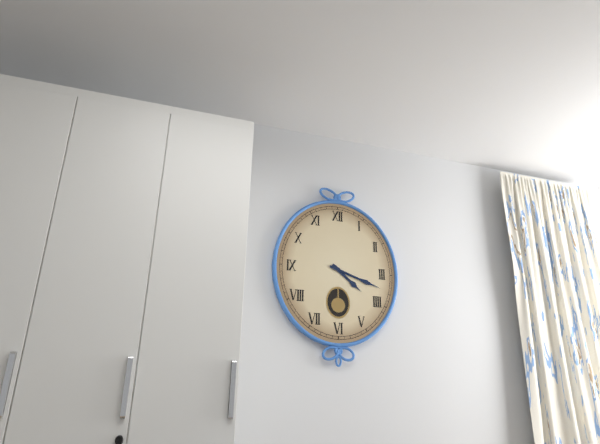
**4:18**
